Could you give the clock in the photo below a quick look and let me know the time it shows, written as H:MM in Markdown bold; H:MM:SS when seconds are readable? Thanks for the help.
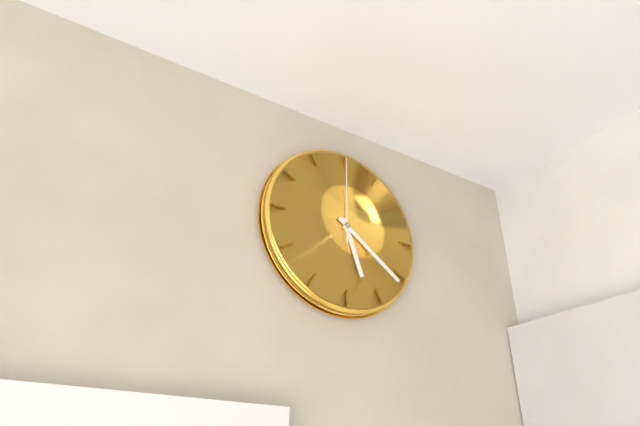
**5:21:00**
